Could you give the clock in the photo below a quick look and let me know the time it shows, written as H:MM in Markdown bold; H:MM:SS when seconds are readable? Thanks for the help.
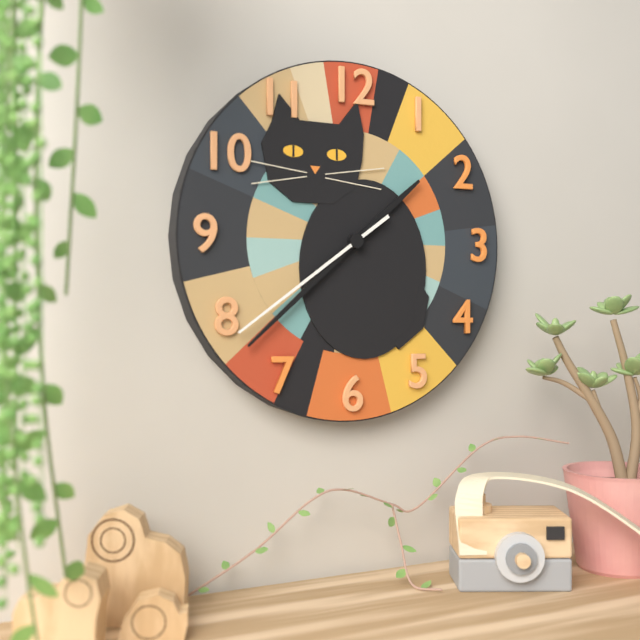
**1:38:39**
